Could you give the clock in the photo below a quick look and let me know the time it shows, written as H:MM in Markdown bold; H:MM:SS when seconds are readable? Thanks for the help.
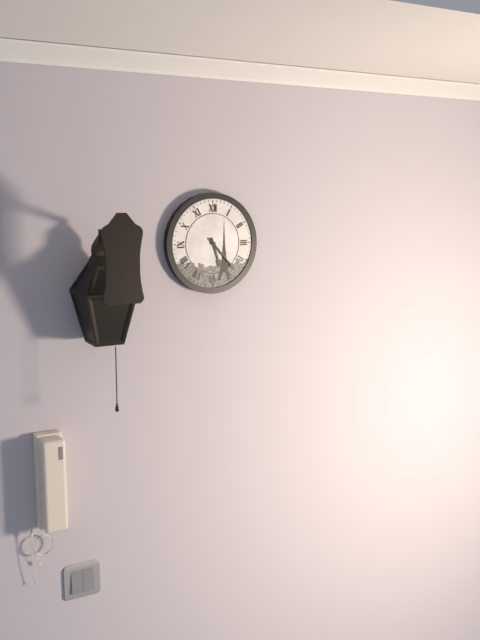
**5:23**
